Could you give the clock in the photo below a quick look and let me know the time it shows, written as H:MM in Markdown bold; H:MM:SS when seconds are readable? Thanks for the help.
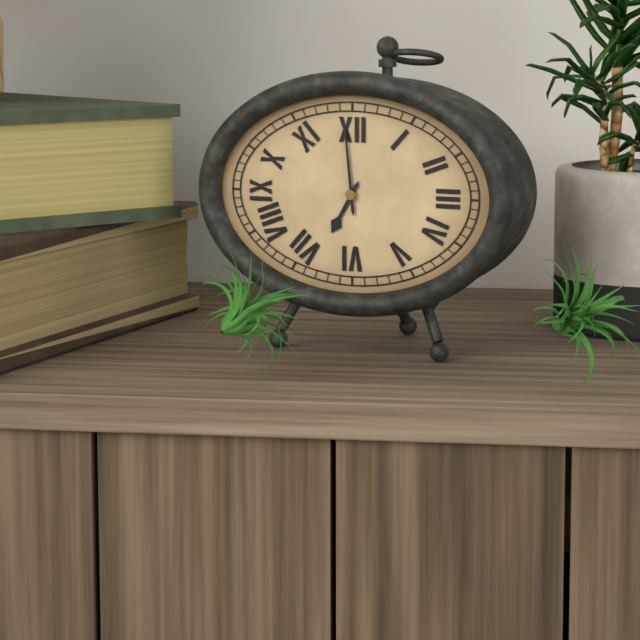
**6:59**
